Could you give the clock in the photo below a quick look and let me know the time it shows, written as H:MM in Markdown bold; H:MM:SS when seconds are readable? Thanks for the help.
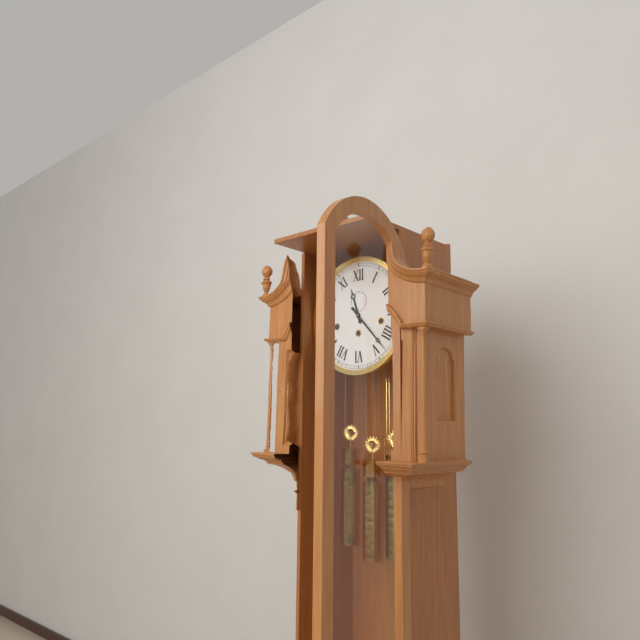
**11:23**
